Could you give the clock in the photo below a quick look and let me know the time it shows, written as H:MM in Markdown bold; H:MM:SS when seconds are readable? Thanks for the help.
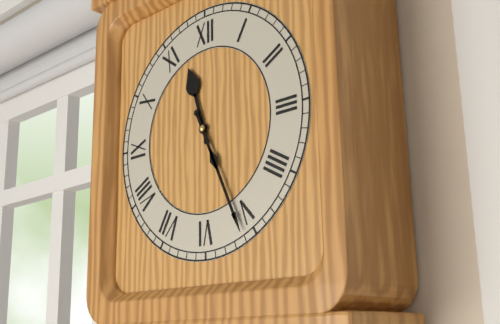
**11:26**
